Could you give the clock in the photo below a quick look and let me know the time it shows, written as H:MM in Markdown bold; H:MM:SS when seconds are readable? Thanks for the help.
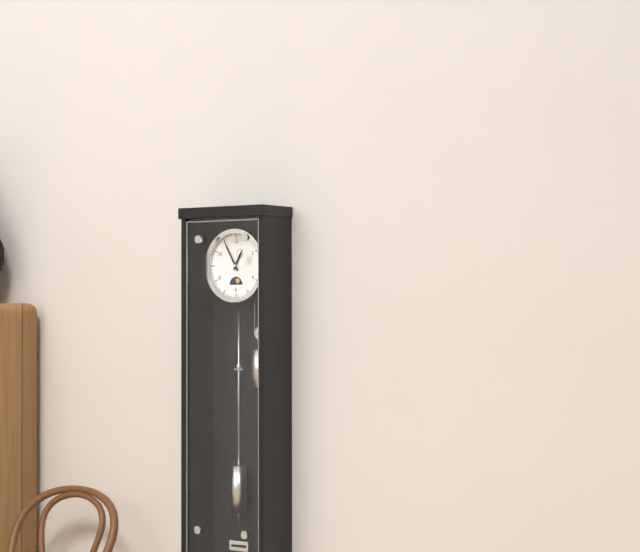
**12:55**
